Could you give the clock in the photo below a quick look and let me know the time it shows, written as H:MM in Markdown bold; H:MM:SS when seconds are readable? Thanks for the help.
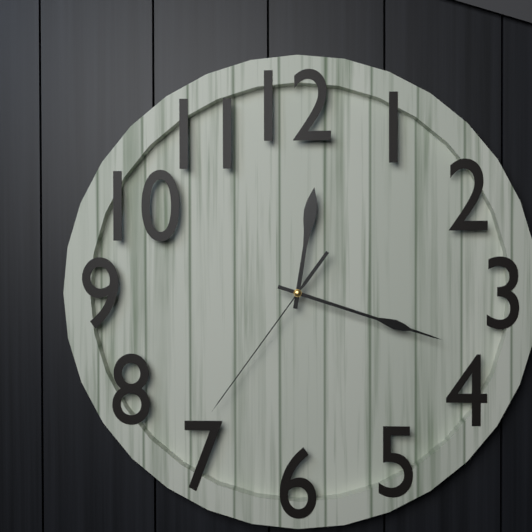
**12:18:36**
